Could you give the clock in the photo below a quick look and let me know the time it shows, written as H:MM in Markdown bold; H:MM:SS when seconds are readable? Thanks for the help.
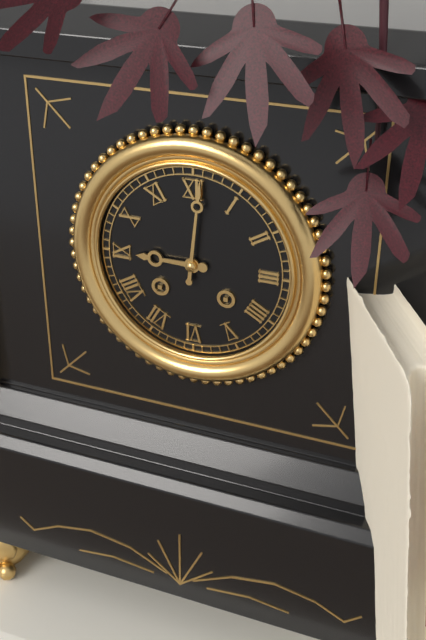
**9:01**
